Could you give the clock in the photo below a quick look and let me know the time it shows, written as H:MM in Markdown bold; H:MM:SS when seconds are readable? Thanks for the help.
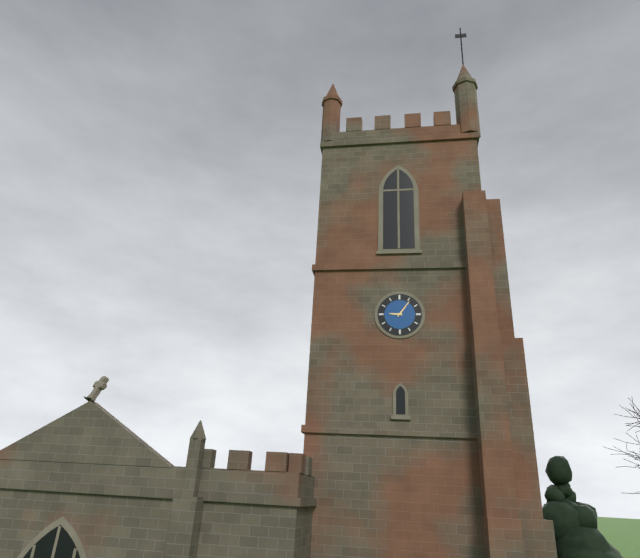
**9:06**
